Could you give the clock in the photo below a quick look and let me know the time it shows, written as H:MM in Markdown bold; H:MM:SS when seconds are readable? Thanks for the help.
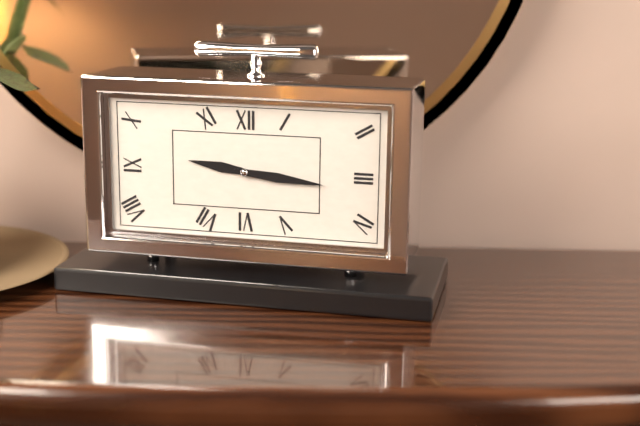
**9:16**
